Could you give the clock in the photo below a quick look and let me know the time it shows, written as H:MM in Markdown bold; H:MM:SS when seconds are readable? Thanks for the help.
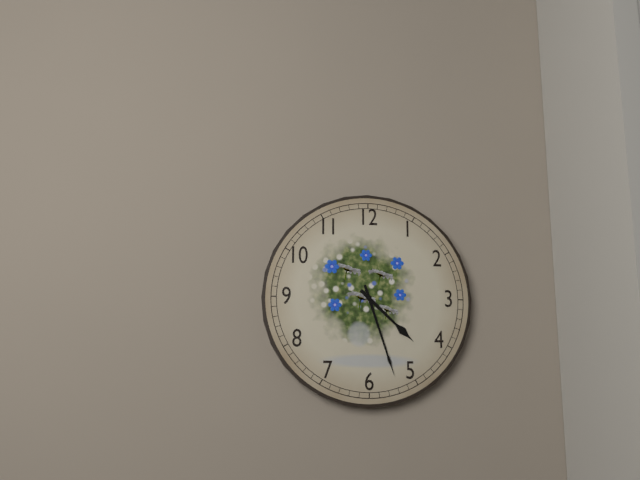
**4:27**
